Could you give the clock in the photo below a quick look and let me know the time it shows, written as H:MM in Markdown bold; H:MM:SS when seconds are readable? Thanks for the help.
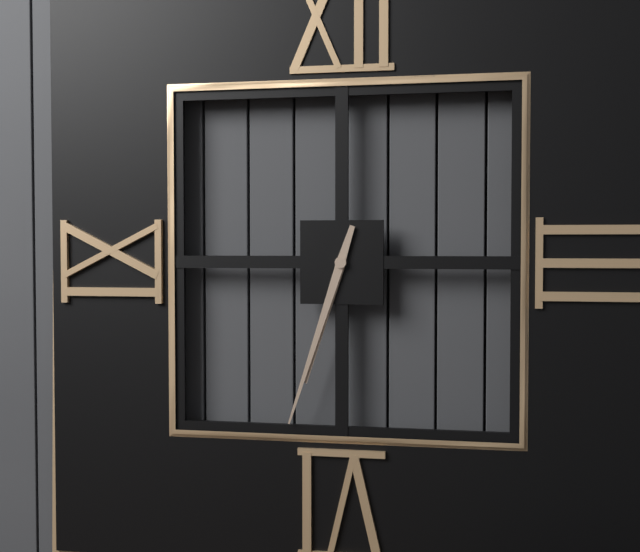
**6:33**
